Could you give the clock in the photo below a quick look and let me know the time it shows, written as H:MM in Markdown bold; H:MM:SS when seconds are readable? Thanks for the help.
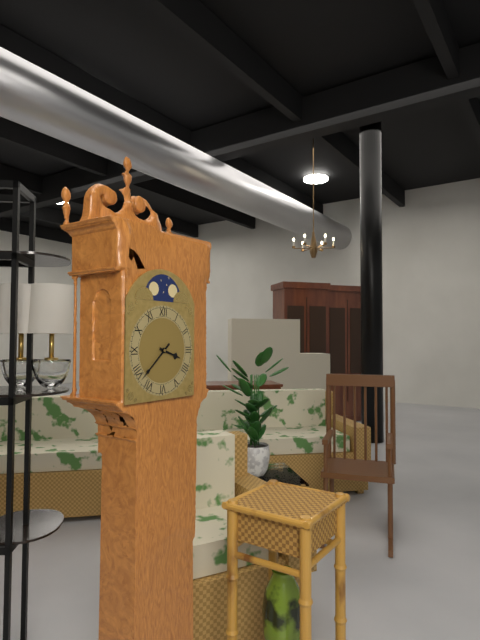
**3:38**
